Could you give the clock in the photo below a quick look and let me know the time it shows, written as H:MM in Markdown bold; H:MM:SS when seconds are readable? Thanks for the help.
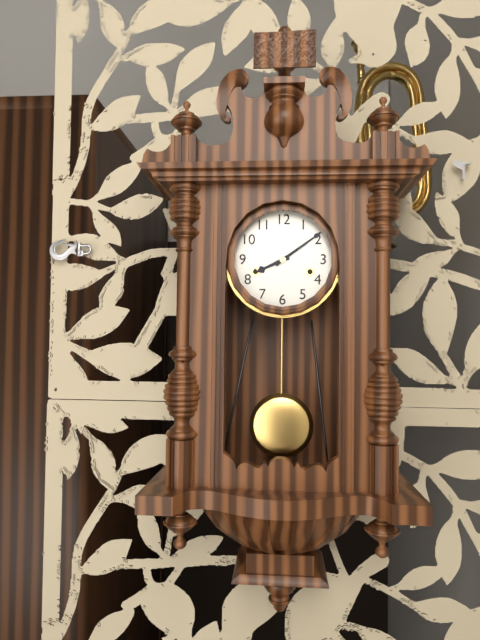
**8:09**
